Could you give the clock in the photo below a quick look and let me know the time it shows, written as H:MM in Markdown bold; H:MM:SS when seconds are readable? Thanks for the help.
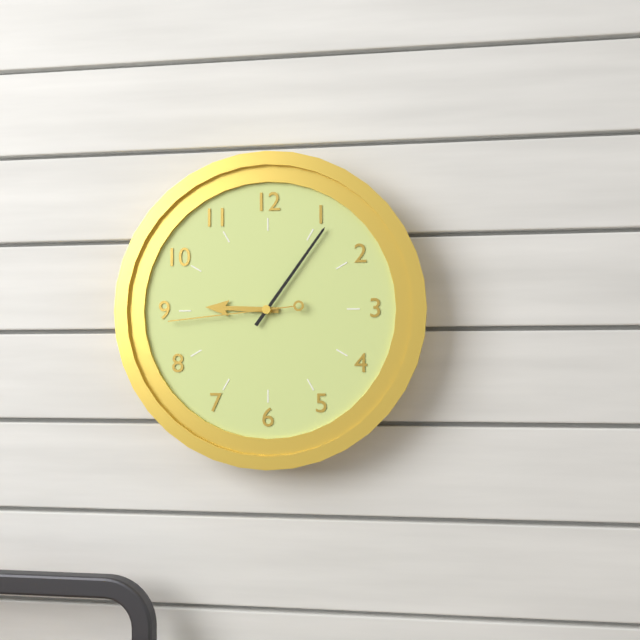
**9:06:44**
